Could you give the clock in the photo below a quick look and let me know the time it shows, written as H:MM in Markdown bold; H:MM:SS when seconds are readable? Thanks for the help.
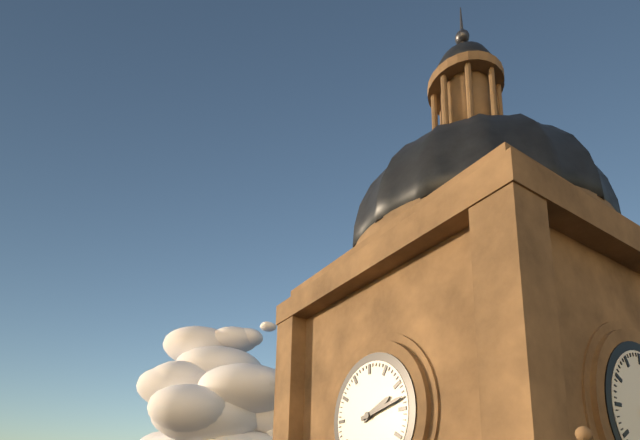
**2:13**
